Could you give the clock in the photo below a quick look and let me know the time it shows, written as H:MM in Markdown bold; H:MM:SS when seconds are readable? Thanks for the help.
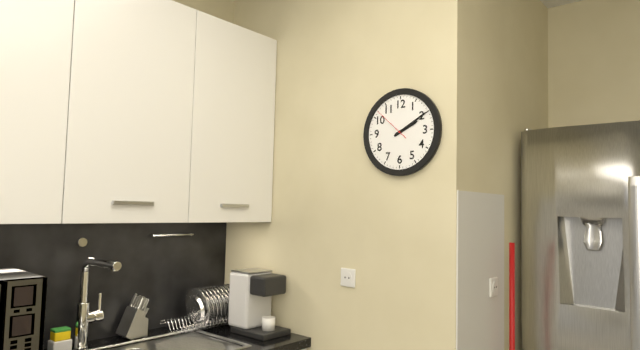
**2:10**
